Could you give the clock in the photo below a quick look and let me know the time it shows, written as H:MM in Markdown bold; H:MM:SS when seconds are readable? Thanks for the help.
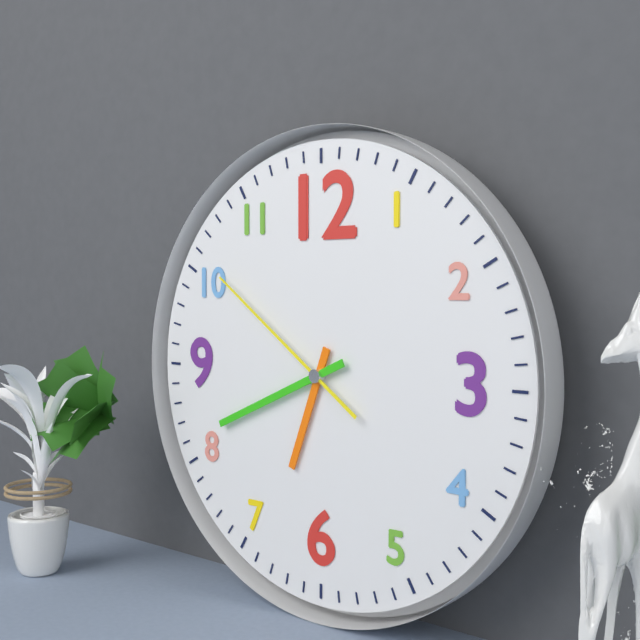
**6:41:51**
